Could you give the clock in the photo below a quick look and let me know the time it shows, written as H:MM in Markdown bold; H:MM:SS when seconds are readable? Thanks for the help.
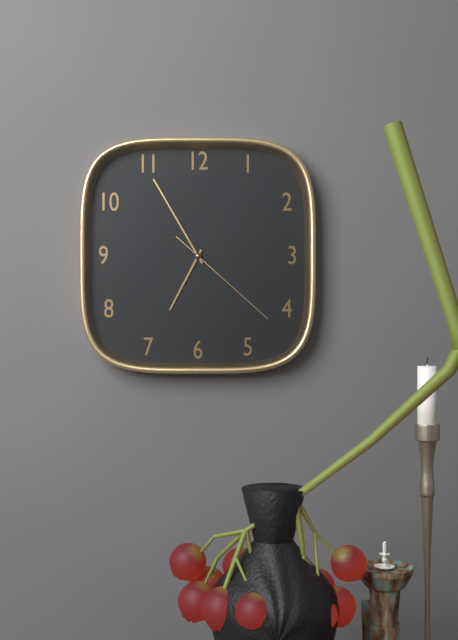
**6:55:22**
